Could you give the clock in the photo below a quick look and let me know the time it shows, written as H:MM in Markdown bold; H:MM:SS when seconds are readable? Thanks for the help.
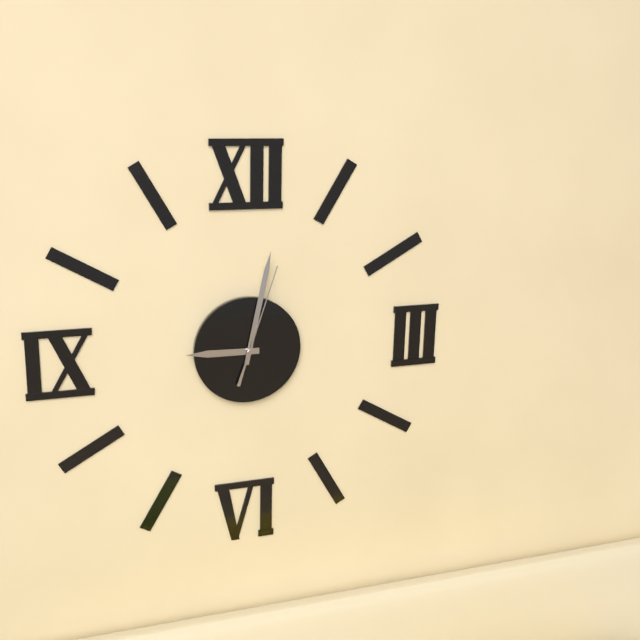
**9:02:03**
